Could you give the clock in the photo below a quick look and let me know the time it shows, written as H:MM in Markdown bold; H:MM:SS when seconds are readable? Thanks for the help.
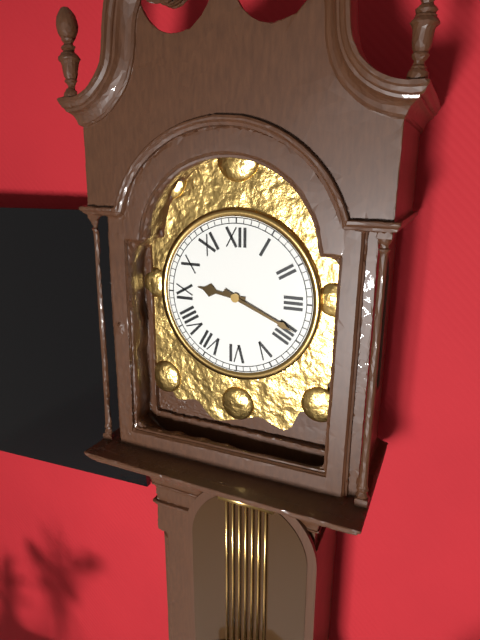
**9:19**
